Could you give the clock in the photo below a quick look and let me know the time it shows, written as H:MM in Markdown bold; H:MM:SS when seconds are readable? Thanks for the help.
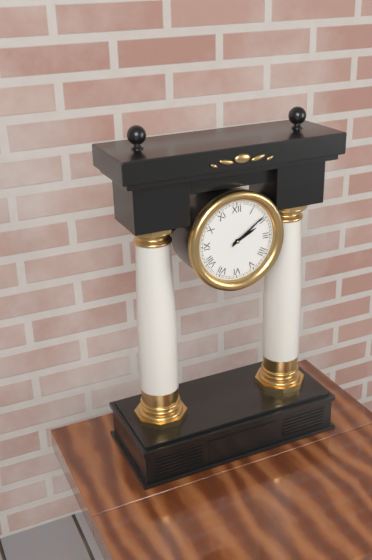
**2:09**
